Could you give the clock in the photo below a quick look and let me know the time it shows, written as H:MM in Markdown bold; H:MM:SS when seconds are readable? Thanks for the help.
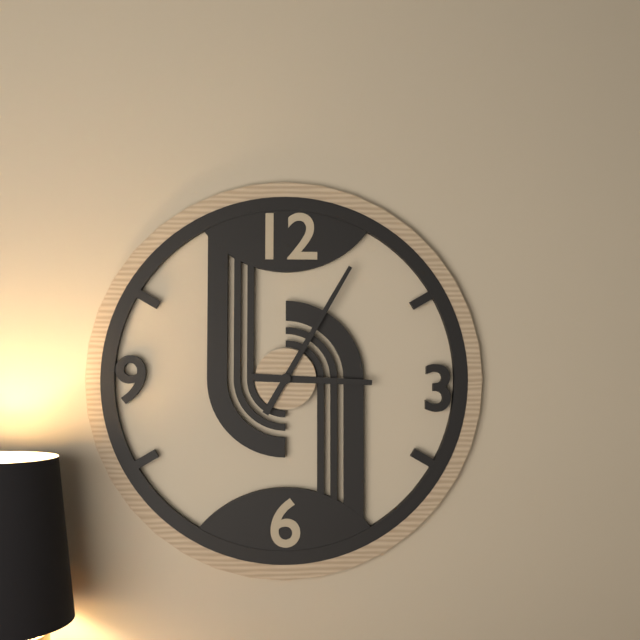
**3:05**
